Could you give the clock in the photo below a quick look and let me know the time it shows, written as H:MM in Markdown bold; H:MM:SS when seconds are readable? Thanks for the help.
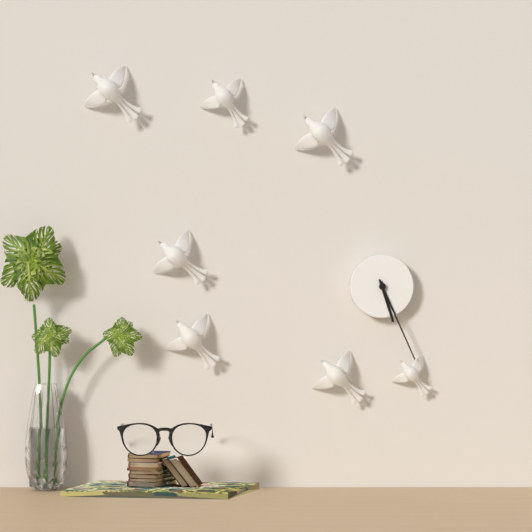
**5:26**
